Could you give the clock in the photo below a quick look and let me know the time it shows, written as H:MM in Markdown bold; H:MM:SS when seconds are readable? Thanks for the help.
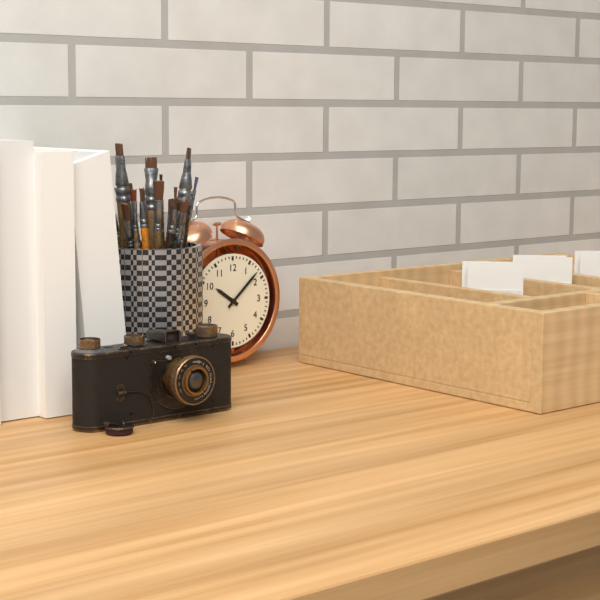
**10:08**
